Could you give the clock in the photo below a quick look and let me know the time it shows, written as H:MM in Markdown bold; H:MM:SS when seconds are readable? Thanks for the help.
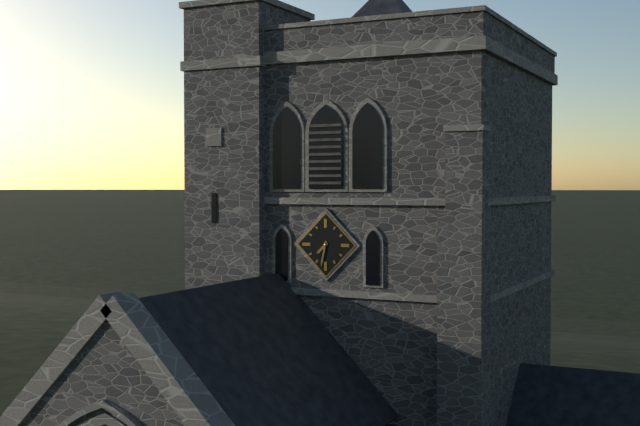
**7:32**
